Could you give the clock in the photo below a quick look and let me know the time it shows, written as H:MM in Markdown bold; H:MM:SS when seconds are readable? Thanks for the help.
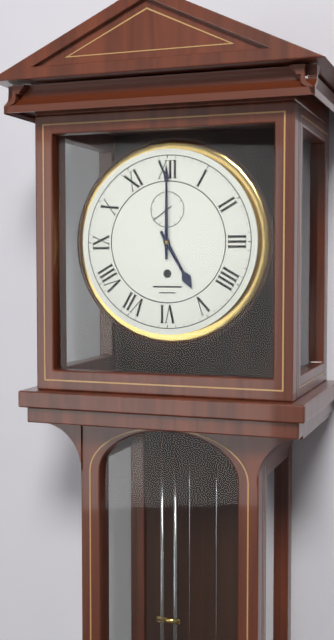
**5:00**
